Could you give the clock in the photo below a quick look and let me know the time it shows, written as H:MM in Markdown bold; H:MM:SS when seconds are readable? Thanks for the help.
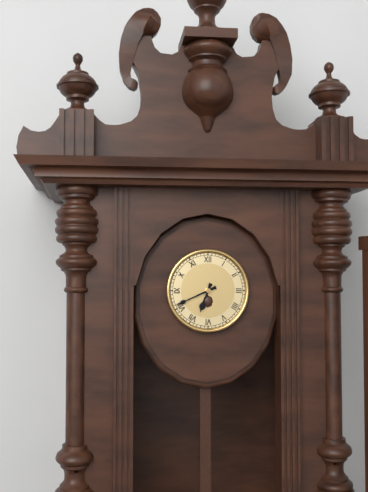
**6:41**
